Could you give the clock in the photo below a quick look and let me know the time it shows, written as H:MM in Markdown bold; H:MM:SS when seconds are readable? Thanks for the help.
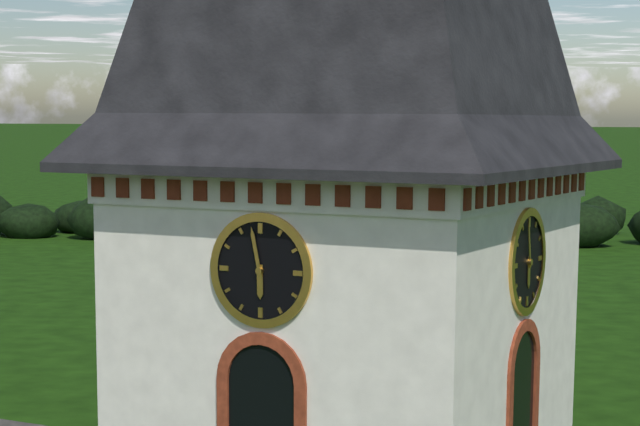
**5:58**
